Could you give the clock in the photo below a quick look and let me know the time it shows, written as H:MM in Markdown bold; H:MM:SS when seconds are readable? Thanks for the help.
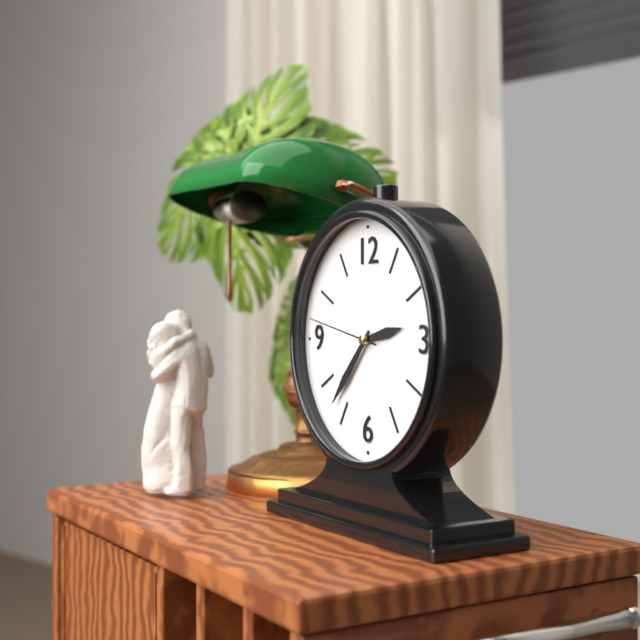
**2:37:47**
